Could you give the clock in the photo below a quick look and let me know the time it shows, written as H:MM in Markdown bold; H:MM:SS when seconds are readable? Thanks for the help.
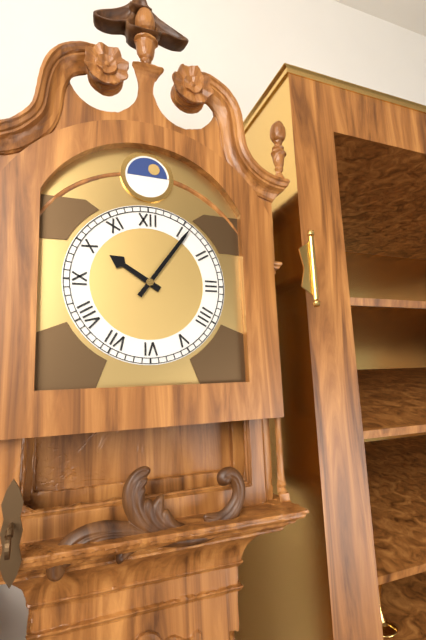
**10:06**
